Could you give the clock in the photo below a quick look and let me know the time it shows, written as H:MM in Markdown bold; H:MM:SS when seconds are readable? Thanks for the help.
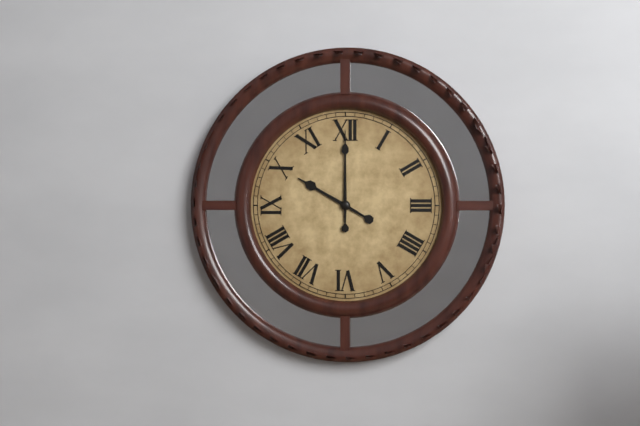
**10:00**
